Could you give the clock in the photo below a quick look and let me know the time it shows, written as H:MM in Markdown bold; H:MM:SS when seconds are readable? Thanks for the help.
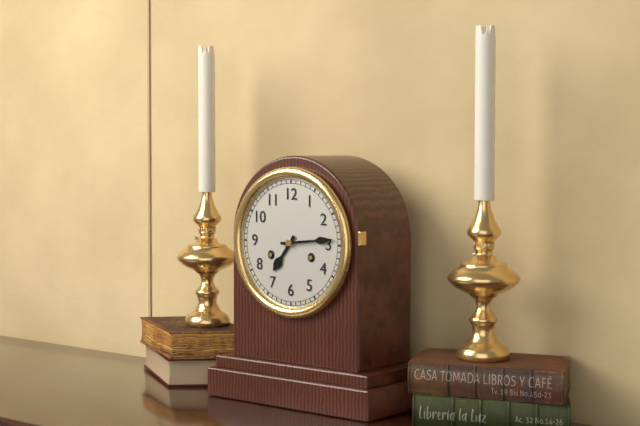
**7:14**
